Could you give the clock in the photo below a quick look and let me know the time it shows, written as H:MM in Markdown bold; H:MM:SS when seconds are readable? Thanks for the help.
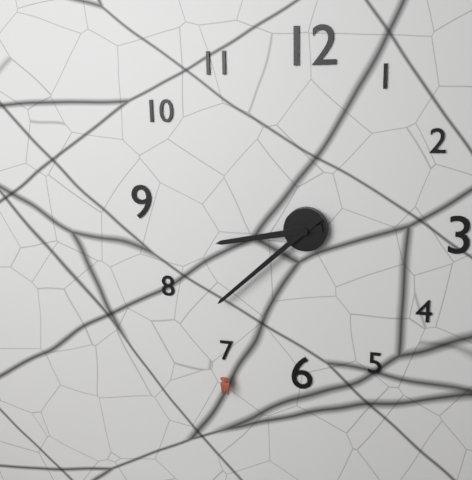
**8:38**
